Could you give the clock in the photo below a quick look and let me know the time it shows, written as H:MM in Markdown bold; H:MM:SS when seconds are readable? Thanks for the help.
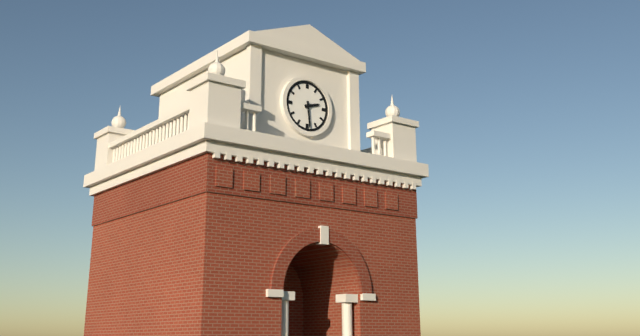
**2:29**
